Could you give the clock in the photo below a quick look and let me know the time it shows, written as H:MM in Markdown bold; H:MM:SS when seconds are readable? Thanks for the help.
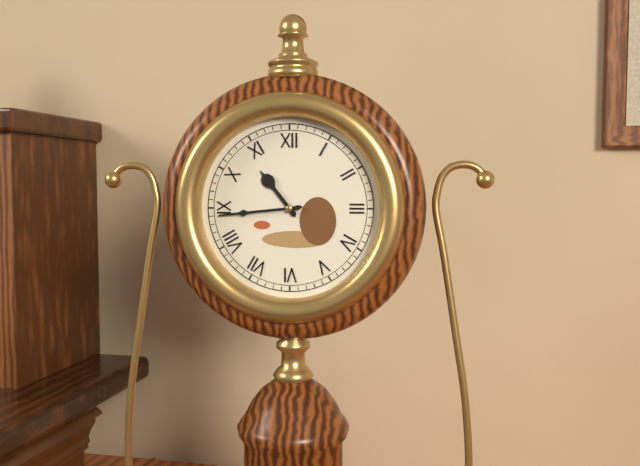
**10:44**
